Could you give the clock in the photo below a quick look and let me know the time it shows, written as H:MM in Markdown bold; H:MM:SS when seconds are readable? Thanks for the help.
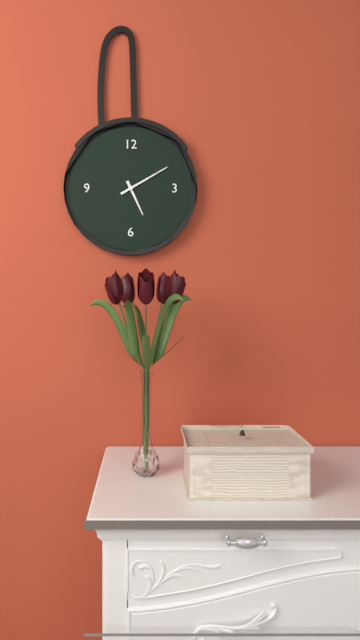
**5:10**
